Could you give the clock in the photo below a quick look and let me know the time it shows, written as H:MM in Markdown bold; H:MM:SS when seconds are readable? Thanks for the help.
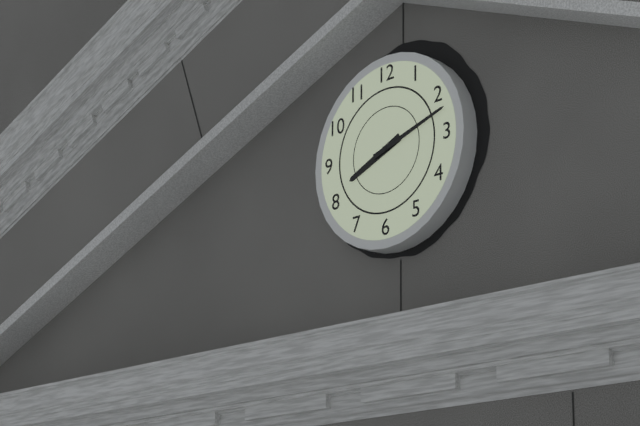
**8:12**
